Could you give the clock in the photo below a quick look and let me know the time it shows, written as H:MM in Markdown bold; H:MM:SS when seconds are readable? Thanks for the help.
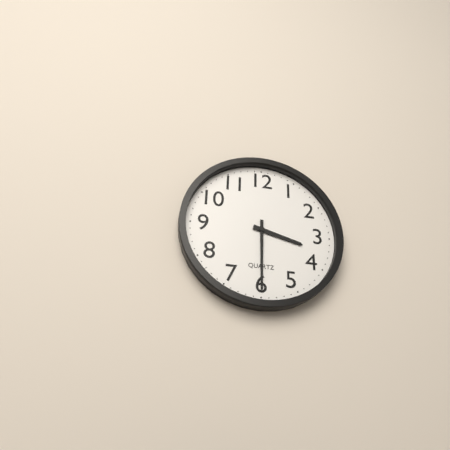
**3:30**
